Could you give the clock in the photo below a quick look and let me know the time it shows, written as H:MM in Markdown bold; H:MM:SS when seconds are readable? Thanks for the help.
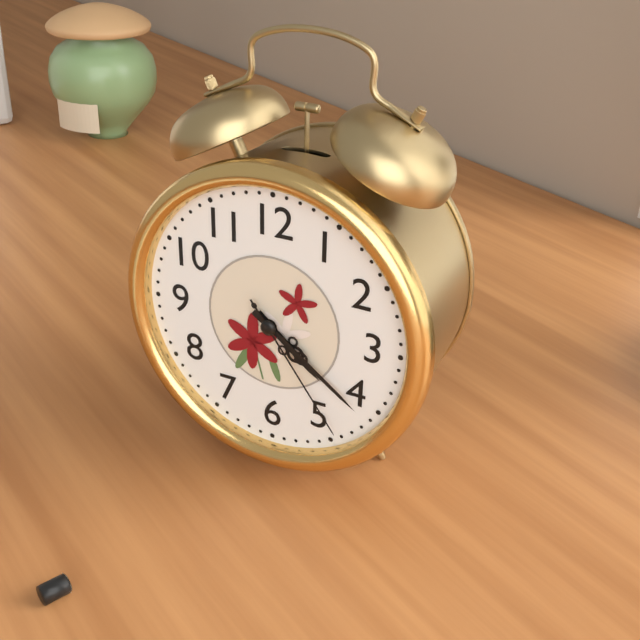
**4:21:24**
